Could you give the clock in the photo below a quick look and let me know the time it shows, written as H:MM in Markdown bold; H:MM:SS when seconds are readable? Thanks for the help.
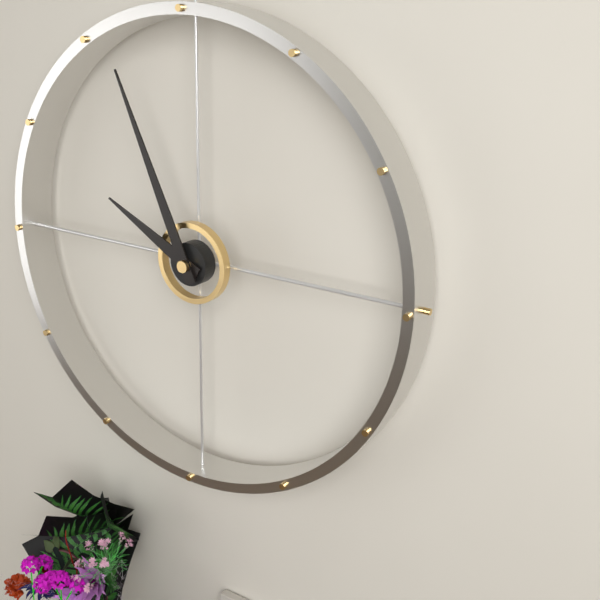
**9:56**
